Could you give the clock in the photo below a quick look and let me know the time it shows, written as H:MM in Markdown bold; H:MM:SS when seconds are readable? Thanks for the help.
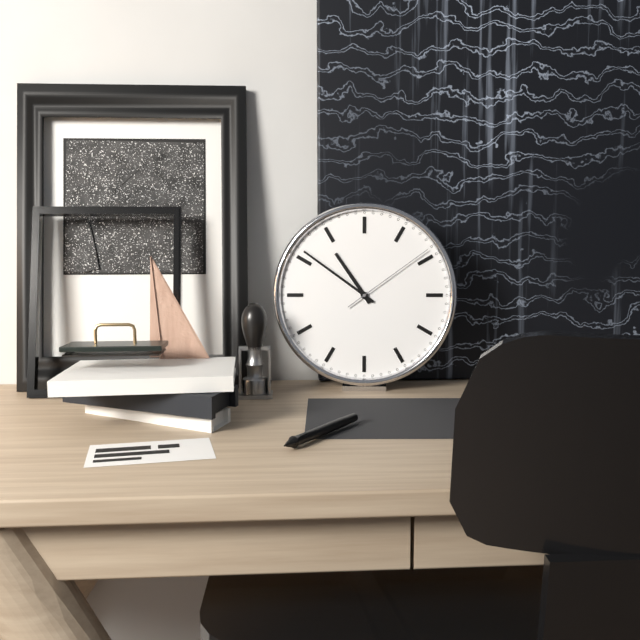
**10:51:09**
